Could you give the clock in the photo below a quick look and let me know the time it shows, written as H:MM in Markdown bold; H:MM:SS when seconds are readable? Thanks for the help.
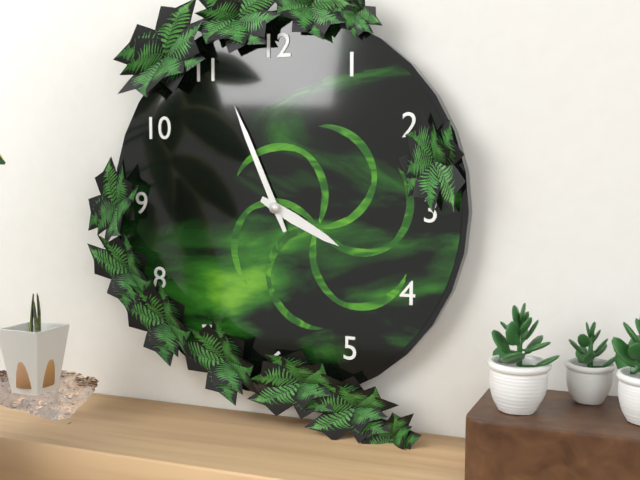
**3:56**
